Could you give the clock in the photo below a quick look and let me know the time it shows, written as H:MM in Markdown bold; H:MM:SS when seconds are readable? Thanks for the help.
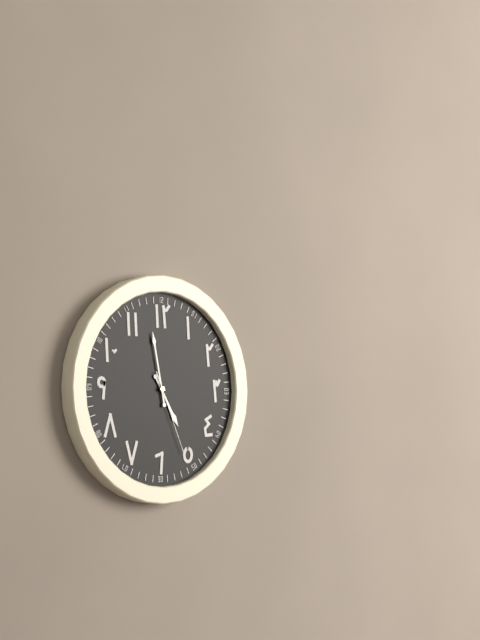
**4:58:26**
